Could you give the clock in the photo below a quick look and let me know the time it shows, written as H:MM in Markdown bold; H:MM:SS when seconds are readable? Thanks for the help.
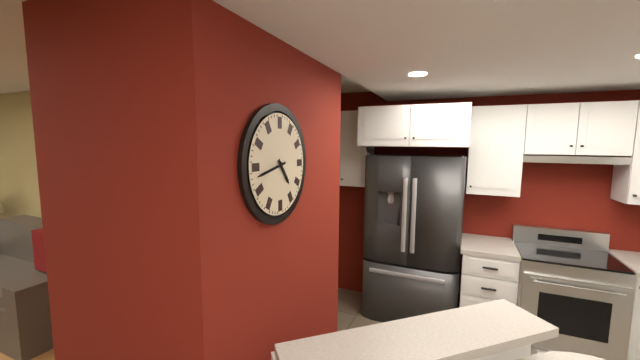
**4:43**
